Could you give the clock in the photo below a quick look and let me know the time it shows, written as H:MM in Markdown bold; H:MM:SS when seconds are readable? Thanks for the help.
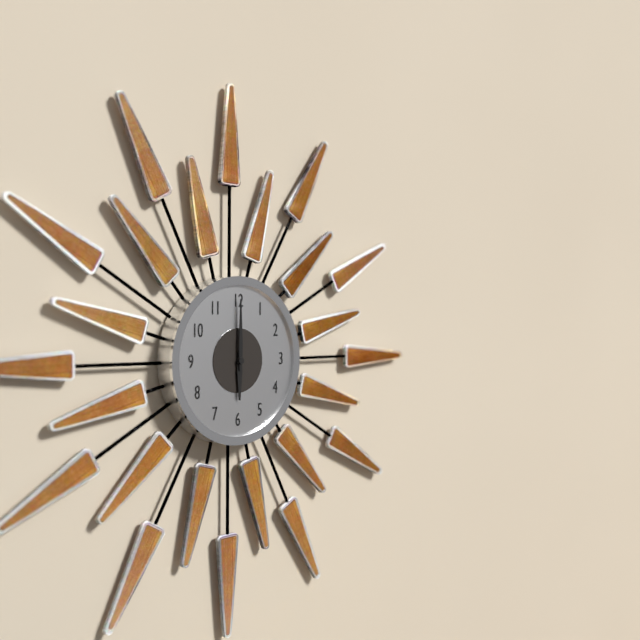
**6:00**
